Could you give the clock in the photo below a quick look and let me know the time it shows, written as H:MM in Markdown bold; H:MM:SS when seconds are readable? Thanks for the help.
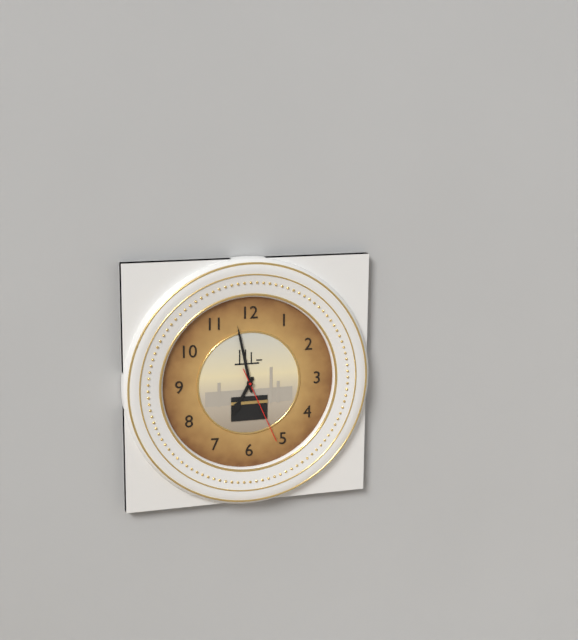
**6:58:26**
